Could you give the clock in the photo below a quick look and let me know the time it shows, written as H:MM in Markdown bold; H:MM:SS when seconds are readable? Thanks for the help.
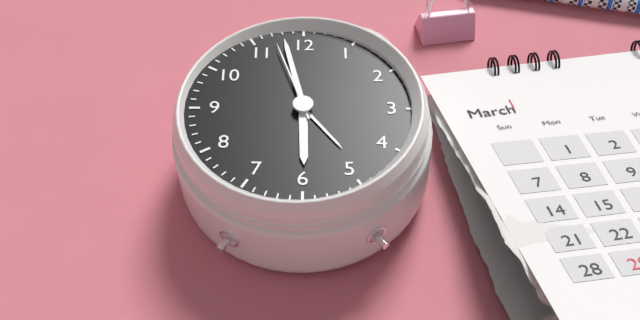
**5:58:57**
